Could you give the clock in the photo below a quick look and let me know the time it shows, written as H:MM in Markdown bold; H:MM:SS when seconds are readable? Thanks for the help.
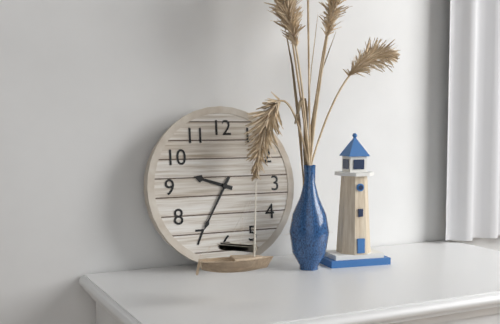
**9:35**
